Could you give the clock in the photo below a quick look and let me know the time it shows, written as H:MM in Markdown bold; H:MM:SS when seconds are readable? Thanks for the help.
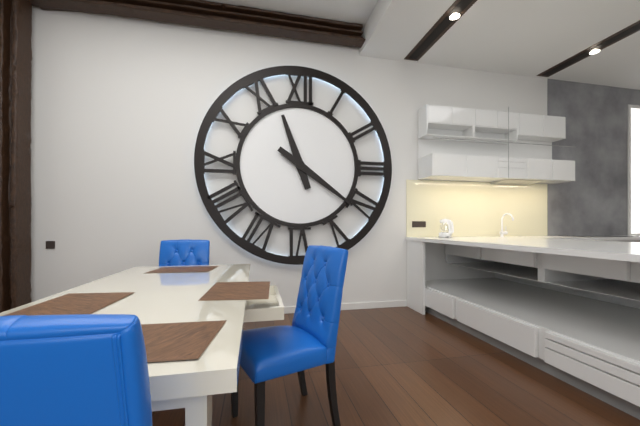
**11:21**
